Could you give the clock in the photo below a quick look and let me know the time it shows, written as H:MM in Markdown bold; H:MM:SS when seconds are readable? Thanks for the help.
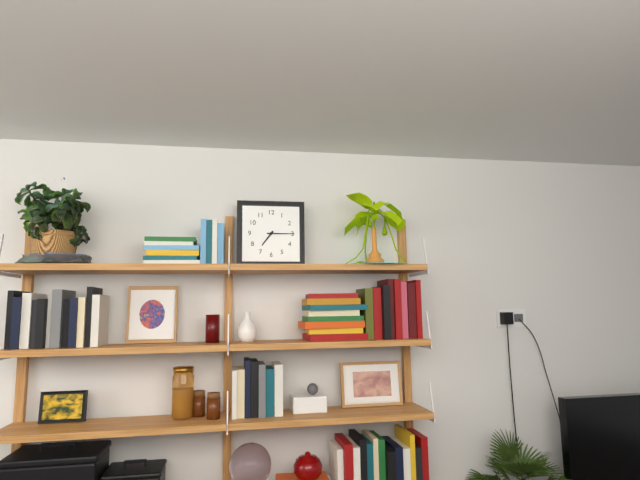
**7:15**
